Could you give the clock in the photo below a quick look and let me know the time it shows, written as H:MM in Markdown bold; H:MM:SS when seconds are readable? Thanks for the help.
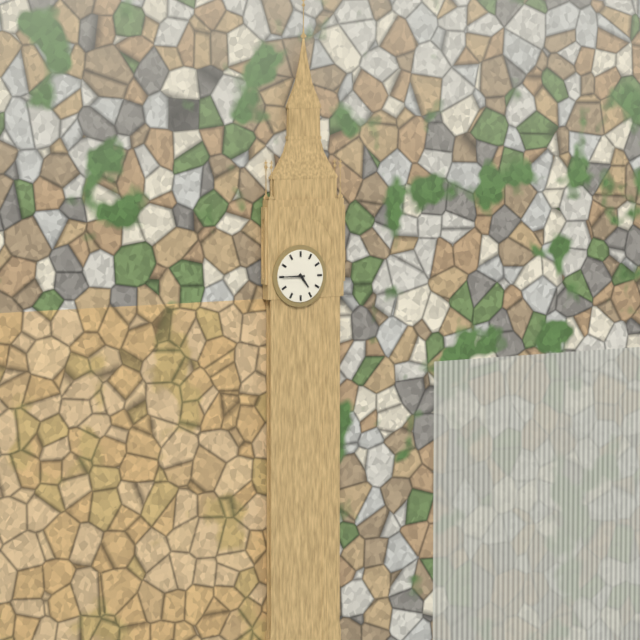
**4:45**
